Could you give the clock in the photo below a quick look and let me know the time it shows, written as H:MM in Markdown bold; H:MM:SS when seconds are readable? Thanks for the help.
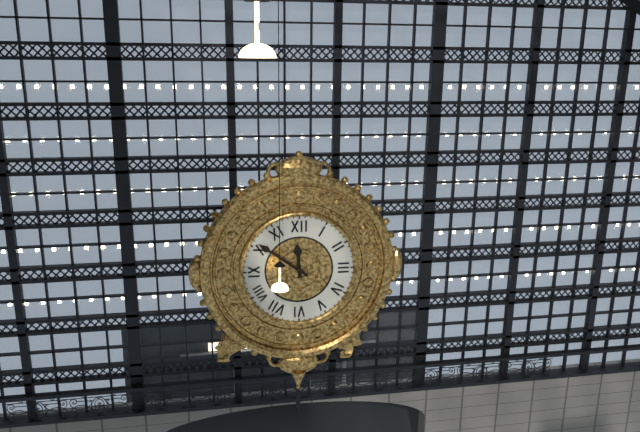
**11:51**
